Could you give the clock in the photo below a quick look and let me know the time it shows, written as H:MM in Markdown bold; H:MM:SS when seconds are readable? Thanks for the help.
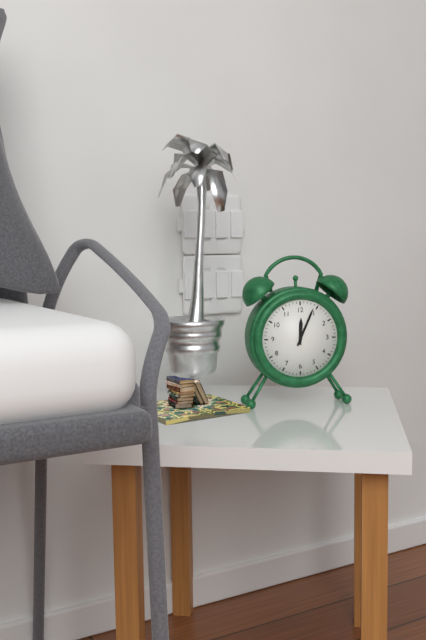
**12:04**
